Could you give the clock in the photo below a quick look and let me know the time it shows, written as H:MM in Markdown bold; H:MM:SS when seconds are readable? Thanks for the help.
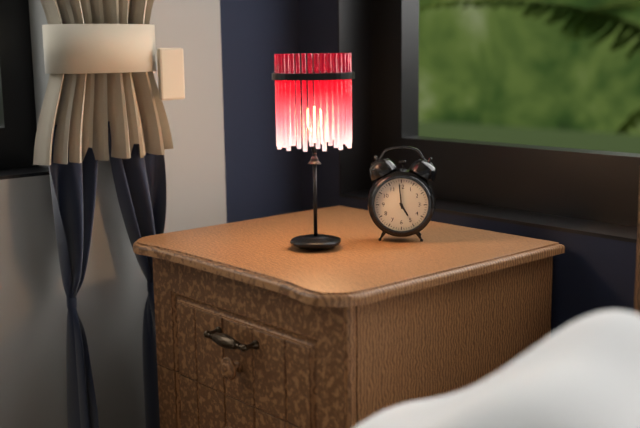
**4:59**
